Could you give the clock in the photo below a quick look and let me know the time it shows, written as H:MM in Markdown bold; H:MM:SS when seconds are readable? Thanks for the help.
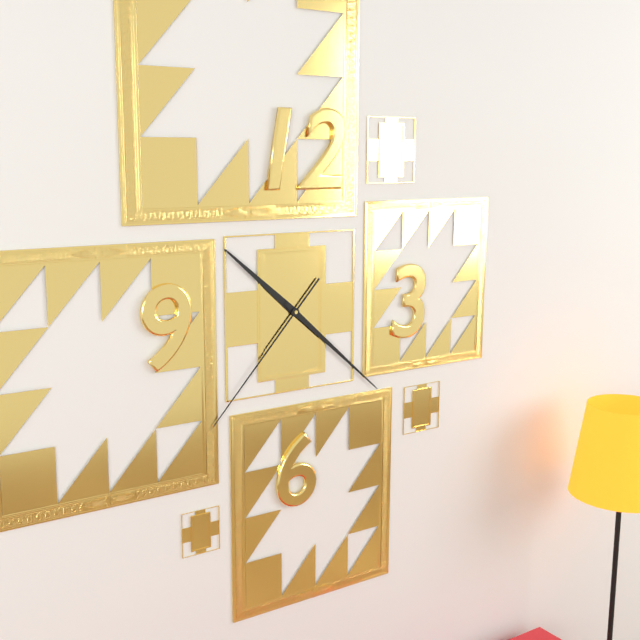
**10:22:37**
